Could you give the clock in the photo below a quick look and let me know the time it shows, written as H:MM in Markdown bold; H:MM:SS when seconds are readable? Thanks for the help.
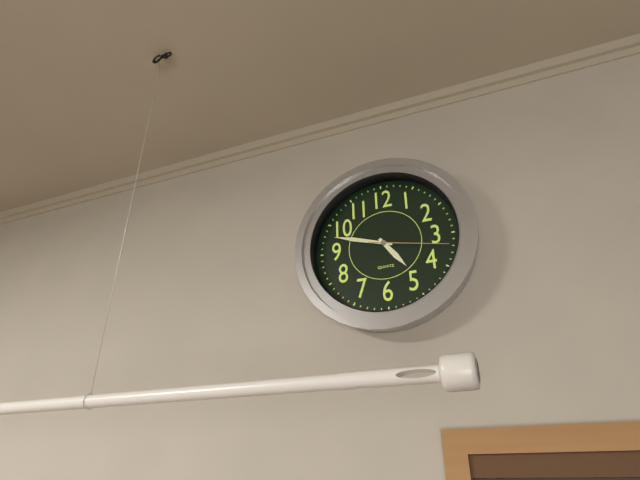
**4:48:17**
